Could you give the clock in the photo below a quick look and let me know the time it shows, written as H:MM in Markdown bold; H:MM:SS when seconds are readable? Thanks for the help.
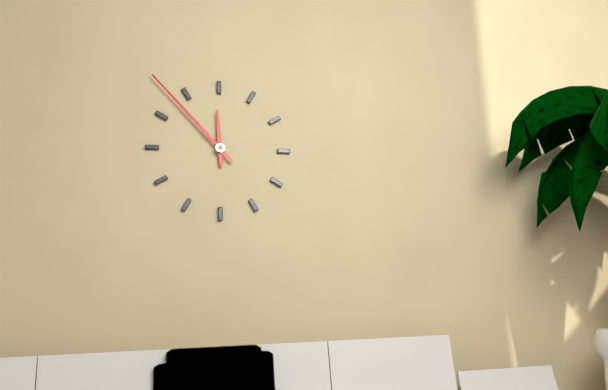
**11:53**
